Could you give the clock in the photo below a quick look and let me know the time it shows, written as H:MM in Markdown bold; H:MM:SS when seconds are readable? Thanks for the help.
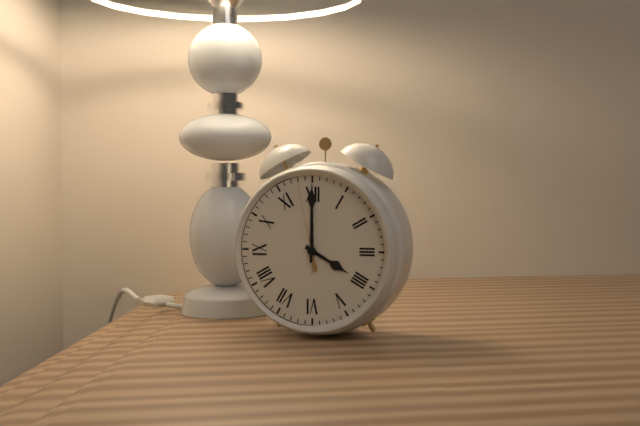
**4:00:58**
